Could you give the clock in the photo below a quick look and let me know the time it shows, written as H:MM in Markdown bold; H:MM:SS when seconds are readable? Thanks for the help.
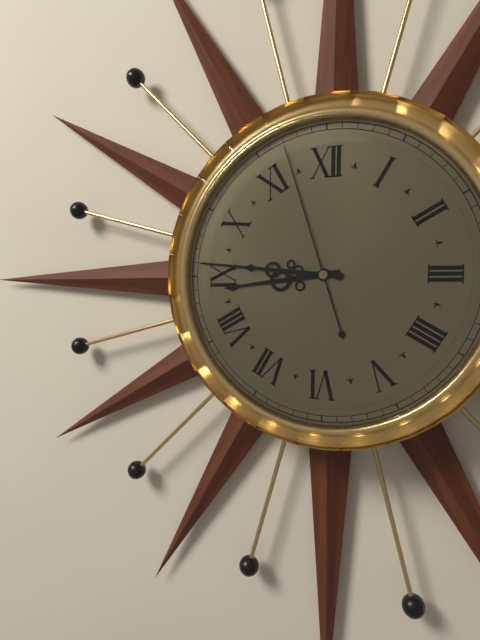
**8:46:57**
